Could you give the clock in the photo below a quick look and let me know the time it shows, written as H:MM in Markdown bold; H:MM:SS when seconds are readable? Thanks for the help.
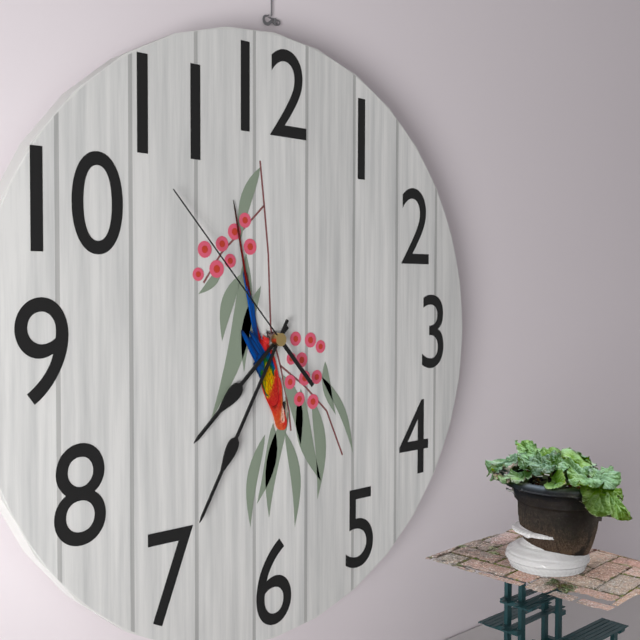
**7:35:53**
